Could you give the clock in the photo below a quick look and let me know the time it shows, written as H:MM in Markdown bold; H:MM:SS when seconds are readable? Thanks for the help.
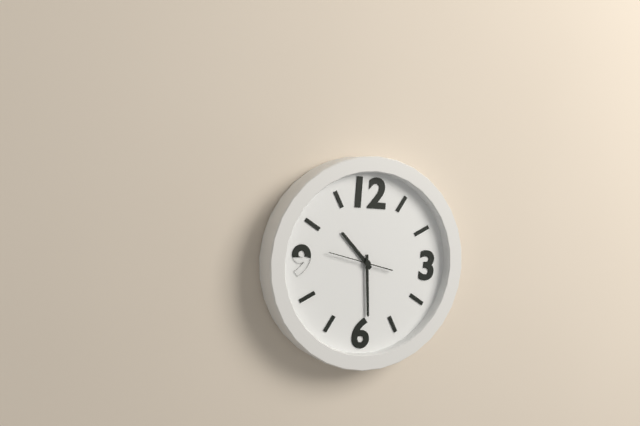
**10:29**
